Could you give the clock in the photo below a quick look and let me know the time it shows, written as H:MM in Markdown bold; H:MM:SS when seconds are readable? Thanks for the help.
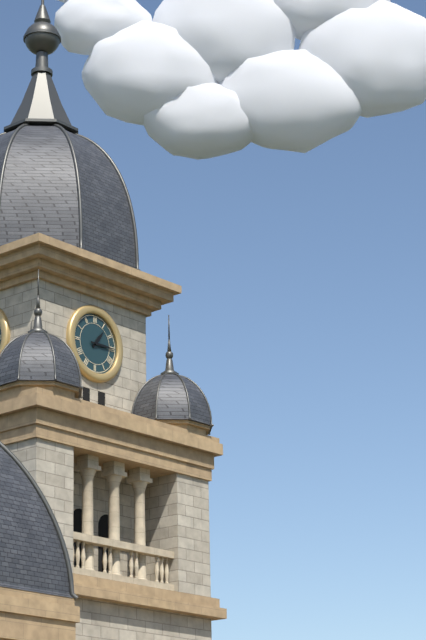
**1:15**
